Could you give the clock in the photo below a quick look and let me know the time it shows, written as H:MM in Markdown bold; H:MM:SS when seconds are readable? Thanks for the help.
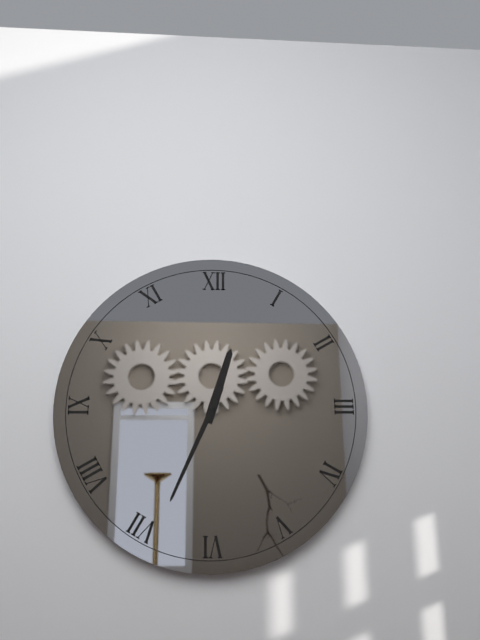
**12:34**
